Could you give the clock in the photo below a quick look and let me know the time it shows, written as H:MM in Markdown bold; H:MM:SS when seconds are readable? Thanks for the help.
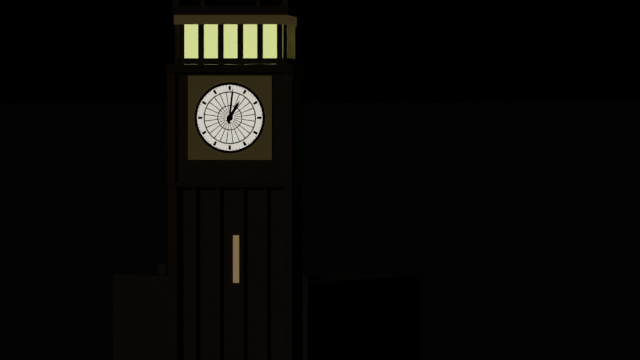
**1:01**
